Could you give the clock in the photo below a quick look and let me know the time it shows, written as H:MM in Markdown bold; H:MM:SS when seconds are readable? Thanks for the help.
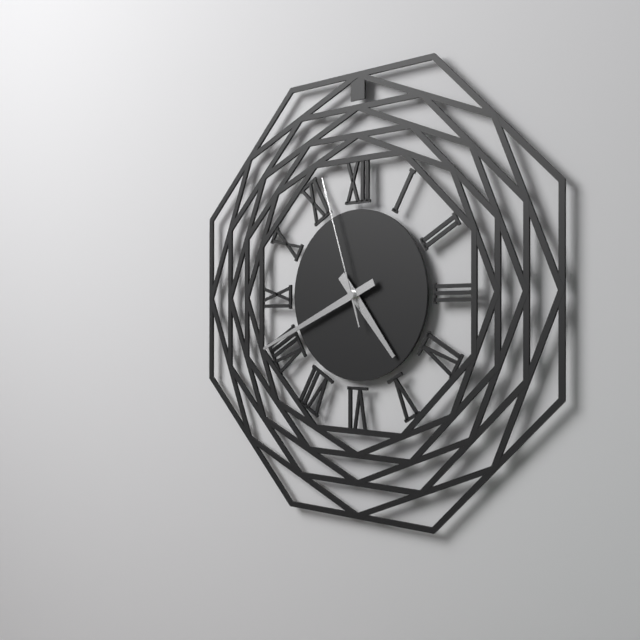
**4:41:57**
